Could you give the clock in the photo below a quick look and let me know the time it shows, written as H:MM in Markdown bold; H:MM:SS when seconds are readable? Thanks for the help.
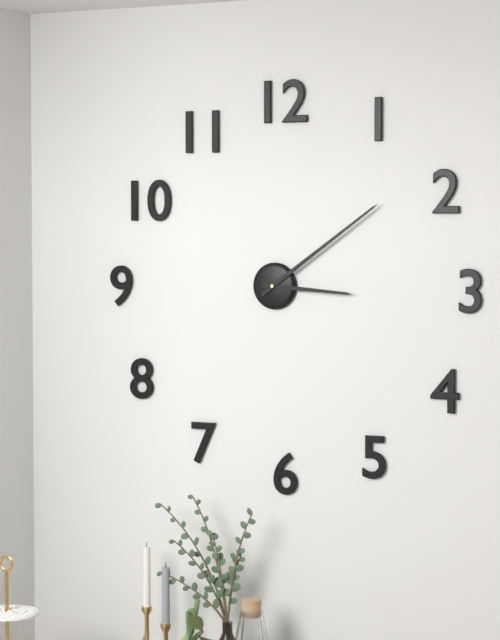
**3:09**
